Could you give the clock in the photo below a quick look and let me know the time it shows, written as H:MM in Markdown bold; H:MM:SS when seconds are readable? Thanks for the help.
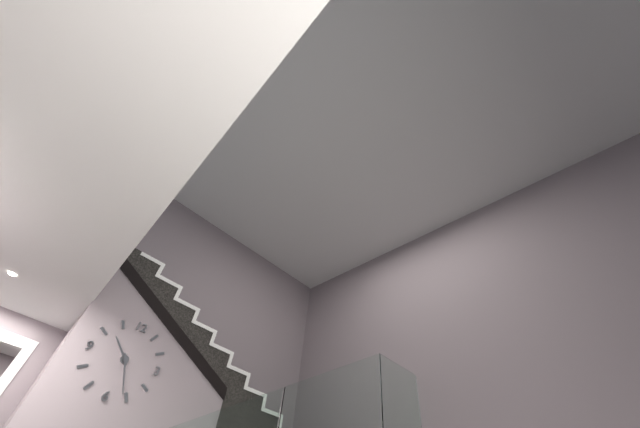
**10:26**
